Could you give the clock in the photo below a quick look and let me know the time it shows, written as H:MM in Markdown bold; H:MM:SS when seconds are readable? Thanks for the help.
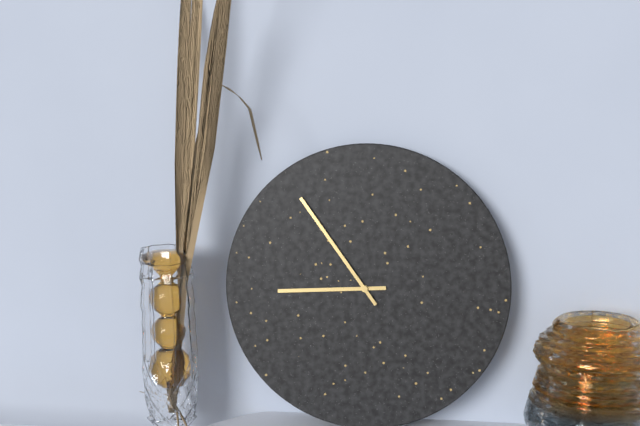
**8:54**
